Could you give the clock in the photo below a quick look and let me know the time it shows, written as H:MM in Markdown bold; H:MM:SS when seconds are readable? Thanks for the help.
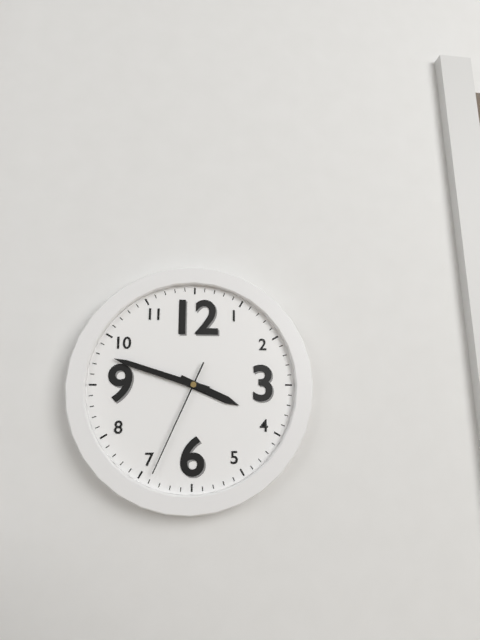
**3:48:34**
